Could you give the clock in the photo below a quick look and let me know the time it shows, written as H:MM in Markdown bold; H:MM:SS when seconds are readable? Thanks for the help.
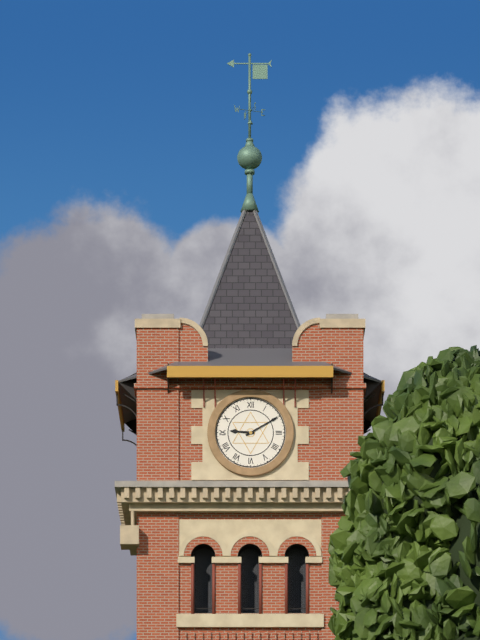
**9:10**
